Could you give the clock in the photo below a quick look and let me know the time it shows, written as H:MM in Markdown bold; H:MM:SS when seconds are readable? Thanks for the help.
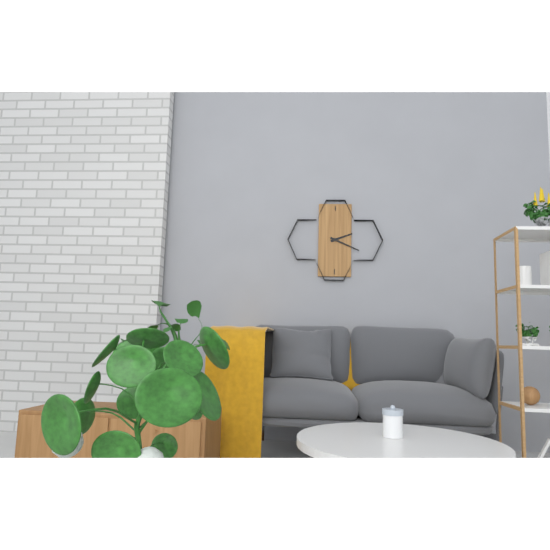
**2:19**
